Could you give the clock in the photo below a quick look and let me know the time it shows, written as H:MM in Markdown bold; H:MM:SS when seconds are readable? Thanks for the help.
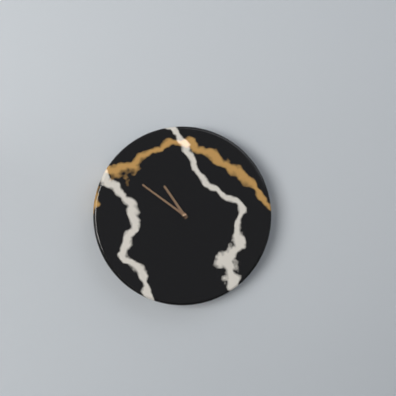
**10:51**
